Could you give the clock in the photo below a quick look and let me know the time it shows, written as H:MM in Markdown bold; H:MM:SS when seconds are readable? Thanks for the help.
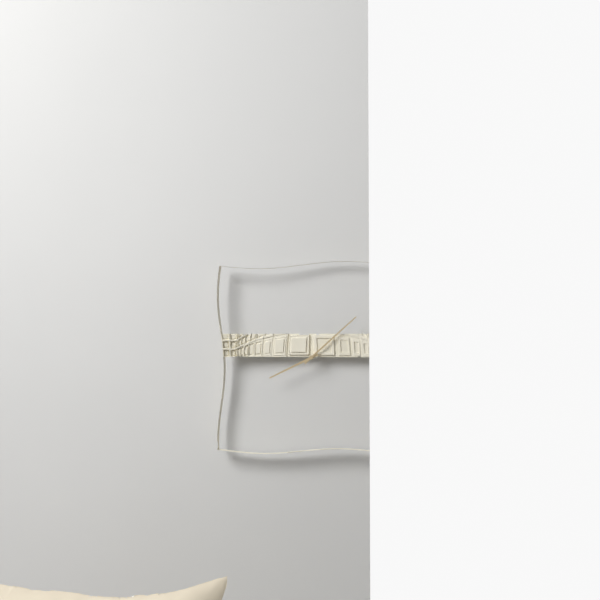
**8:08**
